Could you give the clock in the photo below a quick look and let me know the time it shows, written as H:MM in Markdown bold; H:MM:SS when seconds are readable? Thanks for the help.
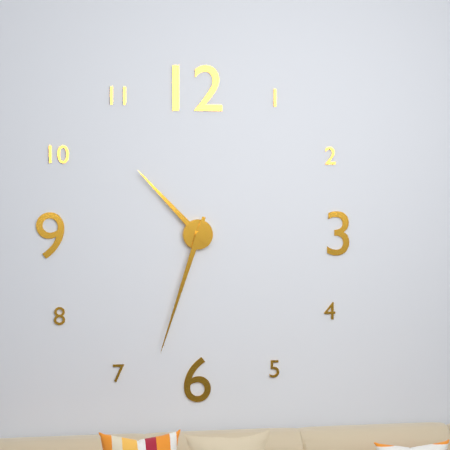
**10:33**
